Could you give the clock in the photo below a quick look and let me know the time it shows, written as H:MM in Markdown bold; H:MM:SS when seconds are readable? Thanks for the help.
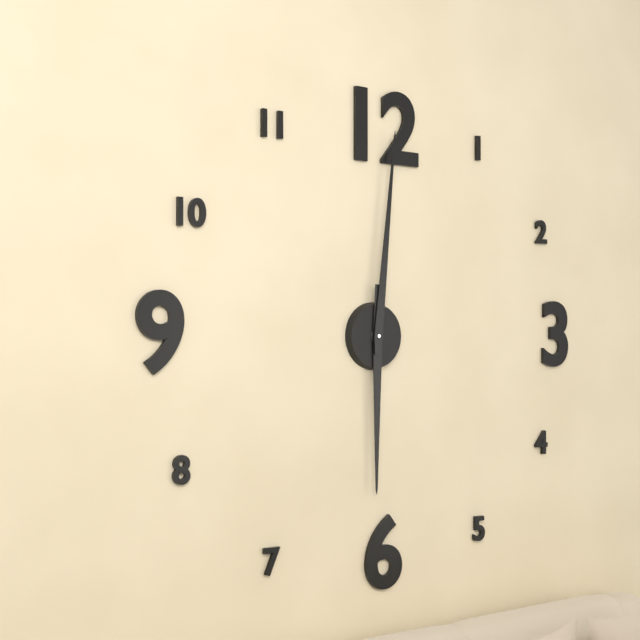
**6:01**
